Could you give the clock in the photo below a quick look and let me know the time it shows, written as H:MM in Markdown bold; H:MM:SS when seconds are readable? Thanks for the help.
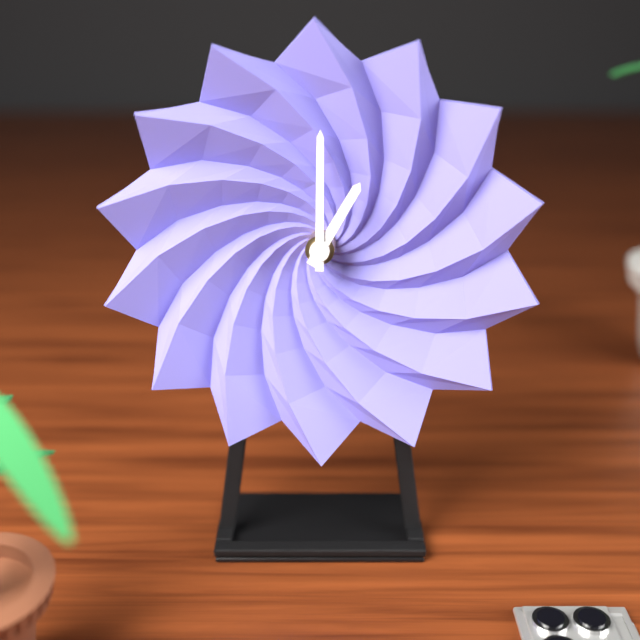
**1:00**
